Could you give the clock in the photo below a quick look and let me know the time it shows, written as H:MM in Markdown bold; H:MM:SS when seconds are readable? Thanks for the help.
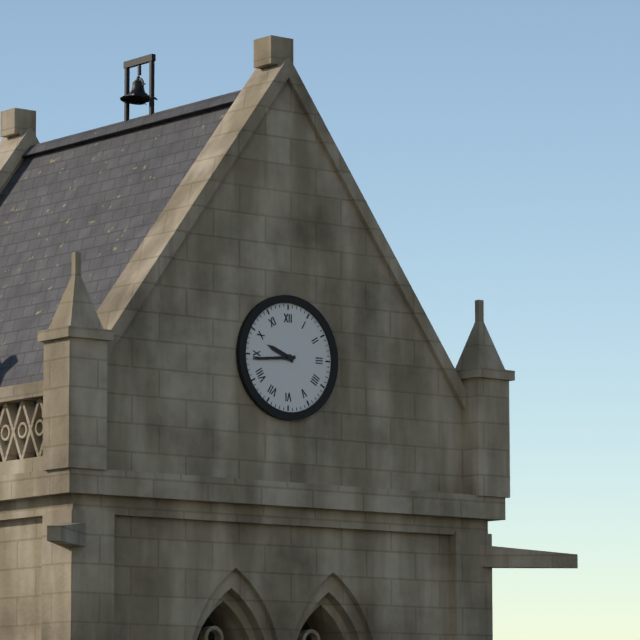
**9:44**
